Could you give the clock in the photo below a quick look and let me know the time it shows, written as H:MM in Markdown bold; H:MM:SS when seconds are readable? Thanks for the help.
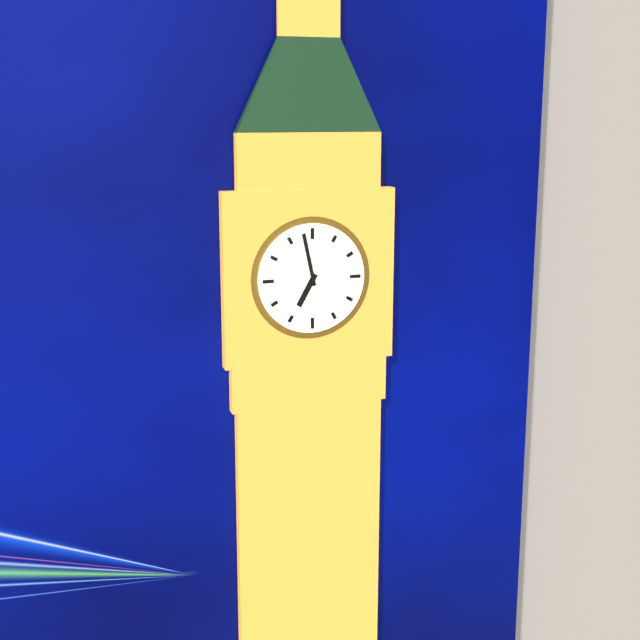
**6:58**
